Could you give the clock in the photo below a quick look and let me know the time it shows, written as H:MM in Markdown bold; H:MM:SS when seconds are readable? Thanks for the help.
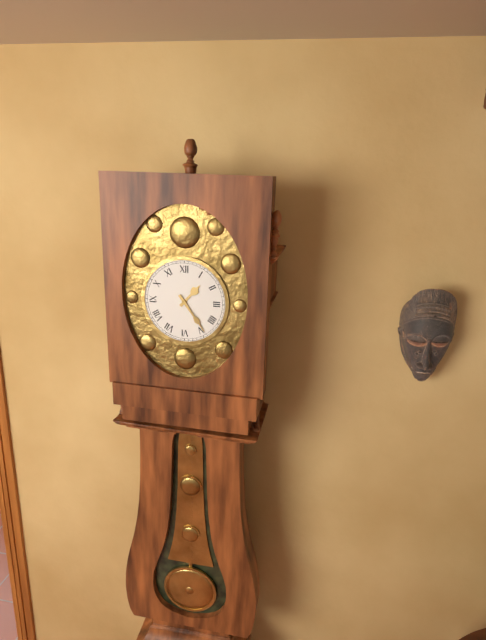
**1:24**
